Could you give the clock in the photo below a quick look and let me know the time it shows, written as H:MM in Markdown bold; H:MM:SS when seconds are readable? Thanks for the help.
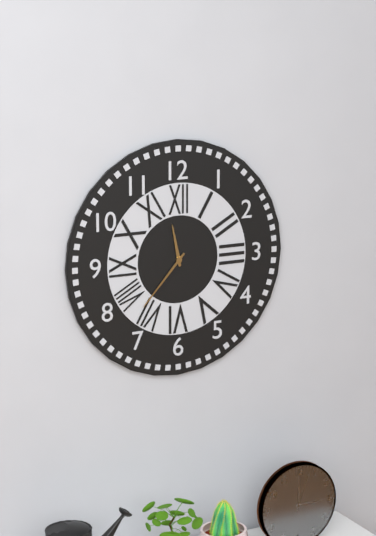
**11:37**
